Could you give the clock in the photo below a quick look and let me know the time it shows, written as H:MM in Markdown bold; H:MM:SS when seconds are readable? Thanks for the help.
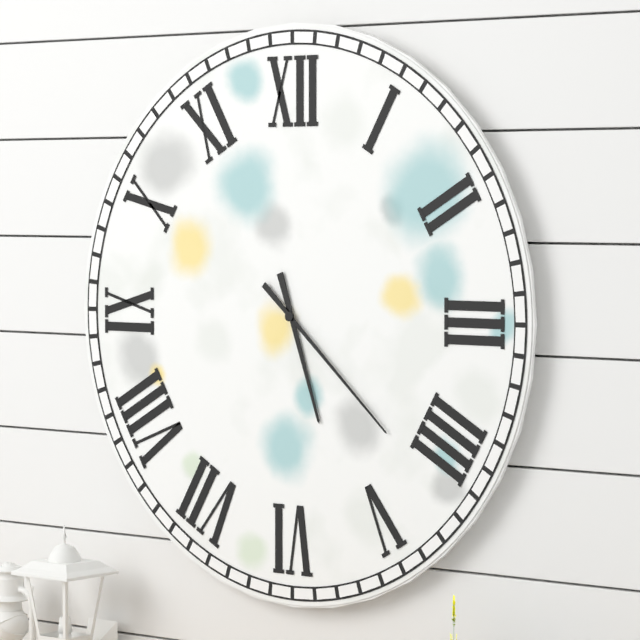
**5:22**
